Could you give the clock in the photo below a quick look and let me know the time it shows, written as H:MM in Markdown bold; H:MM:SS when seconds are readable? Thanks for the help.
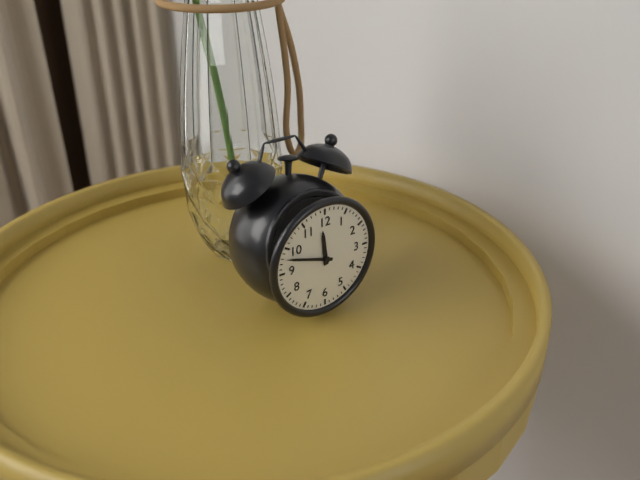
**11:48**
